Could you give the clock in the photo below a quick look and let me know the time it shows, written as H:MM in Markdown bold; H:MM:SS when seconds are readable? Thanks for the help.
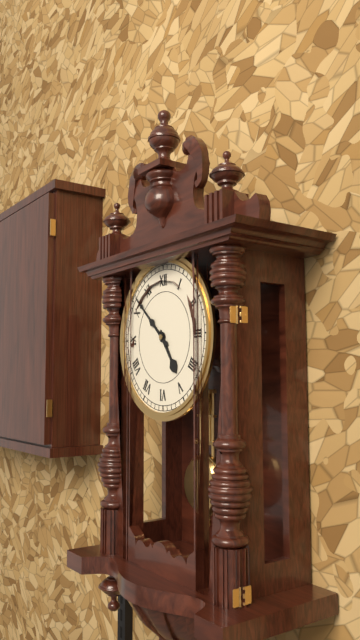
**4:52**
